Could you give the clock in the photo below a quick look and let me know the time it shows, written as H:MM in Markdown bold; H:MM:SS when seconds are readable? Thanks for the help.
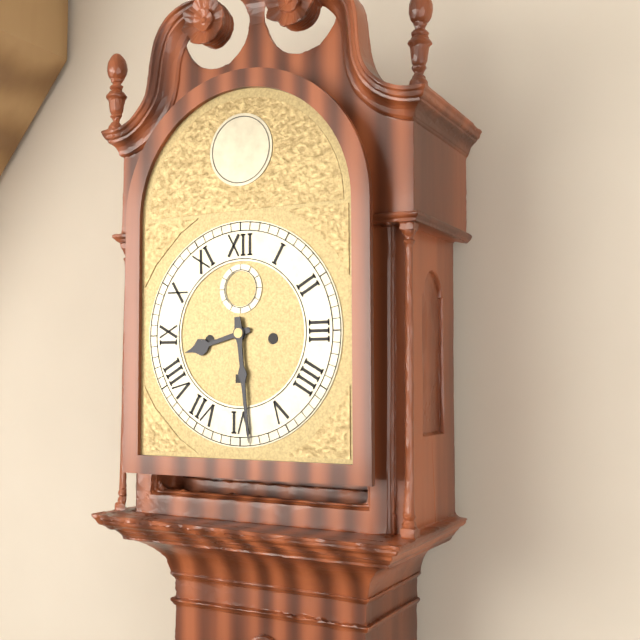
**8:29**
